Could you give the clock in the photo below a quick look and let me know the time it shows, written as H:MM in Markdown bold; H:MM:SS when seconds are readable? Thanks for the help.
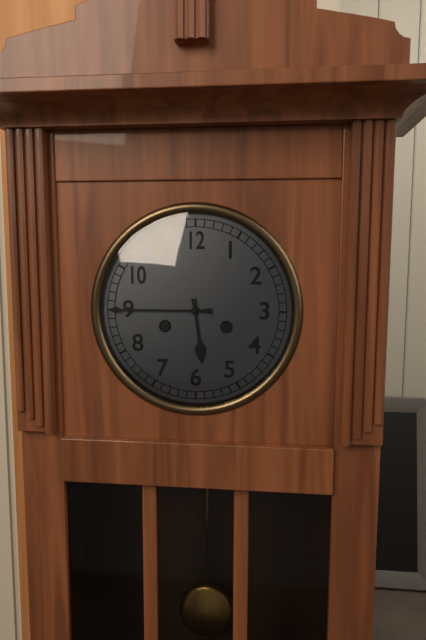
**5:45**
